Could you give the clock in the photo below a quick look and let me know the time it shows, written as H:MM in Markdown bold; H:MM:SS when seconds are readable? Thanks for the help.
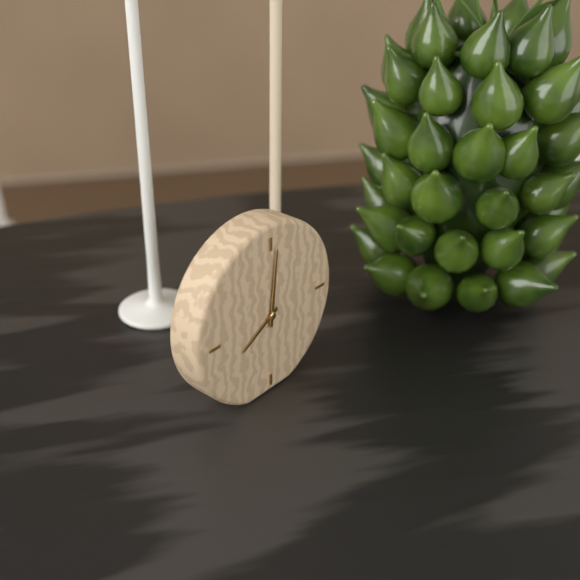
**8:01**
